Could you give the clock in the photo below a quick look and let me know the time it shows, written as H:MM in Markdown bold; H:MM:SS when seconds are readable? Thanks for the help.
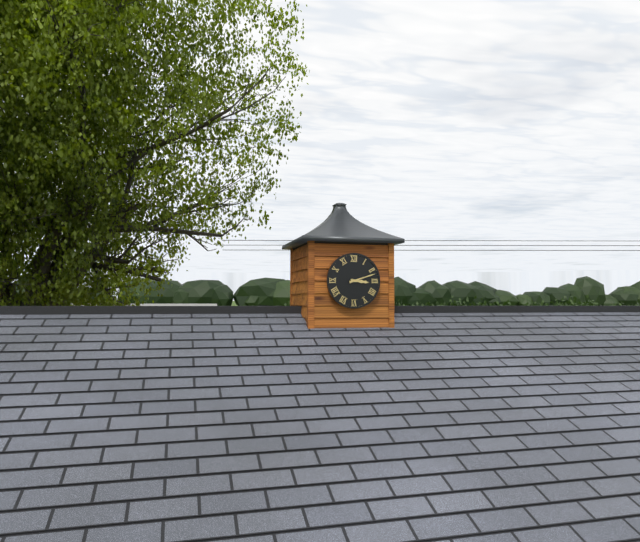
**3:12**
